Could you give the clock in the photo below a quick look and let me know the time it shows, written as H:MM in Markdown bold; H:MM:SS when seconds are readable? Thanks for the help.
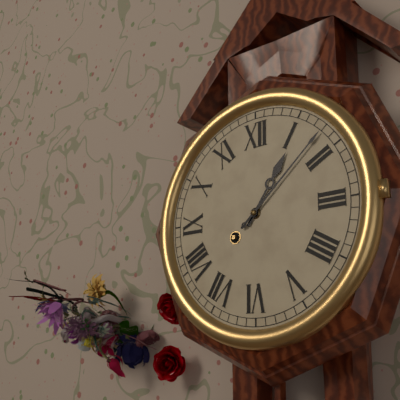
**1:08**
